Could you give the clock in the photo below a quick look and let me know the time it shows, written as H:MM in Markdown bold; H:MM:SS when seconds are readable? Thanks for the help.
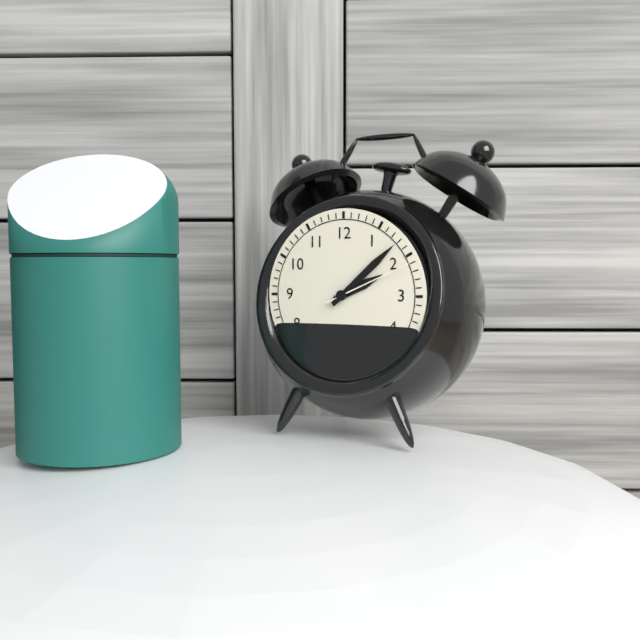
**2:08:11**
